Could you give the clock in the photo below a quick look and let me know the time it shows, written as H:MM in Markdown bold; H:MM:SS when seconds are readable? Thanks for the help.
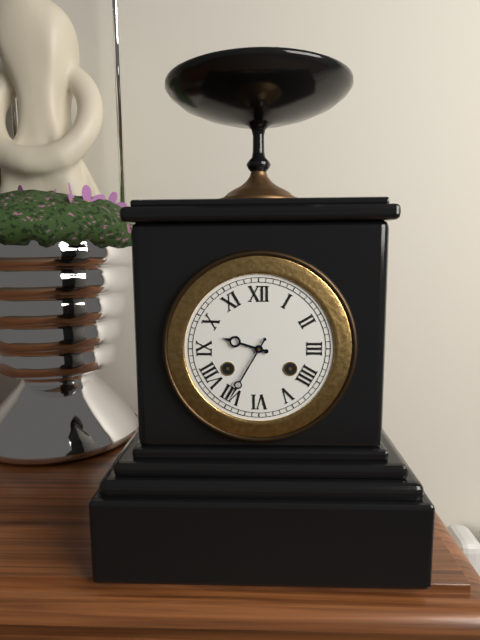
**9:35**
